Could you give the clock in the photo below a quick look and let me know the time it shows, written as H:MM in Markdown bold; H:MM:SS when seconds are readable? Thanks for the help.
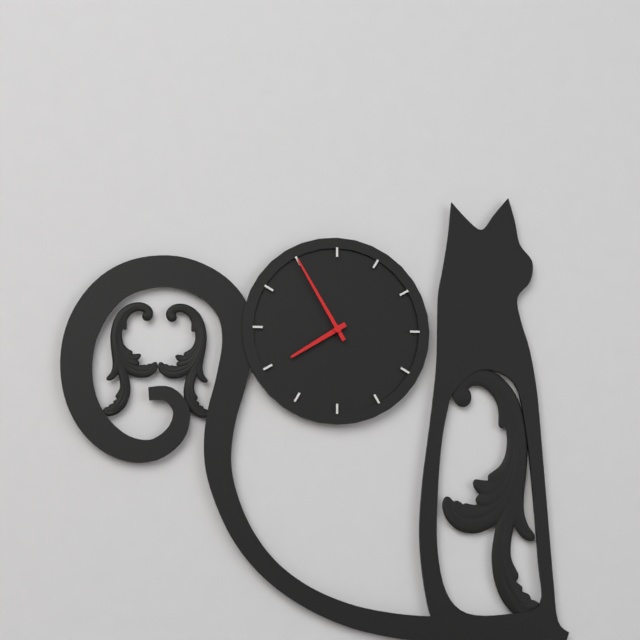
**7:55**
